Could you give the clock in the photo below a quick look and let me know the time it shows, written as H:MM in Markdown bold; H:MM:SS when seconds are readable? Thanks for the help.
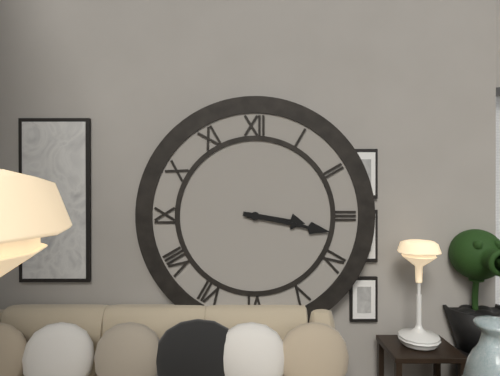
**3:17**
